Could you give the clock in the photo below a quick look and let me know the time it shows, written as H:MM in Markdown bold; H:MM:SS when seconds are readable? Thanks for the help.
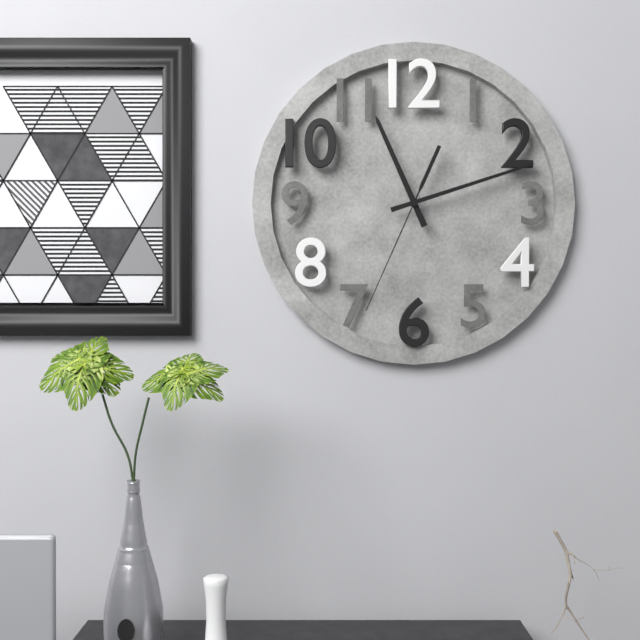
**11:12:34**
